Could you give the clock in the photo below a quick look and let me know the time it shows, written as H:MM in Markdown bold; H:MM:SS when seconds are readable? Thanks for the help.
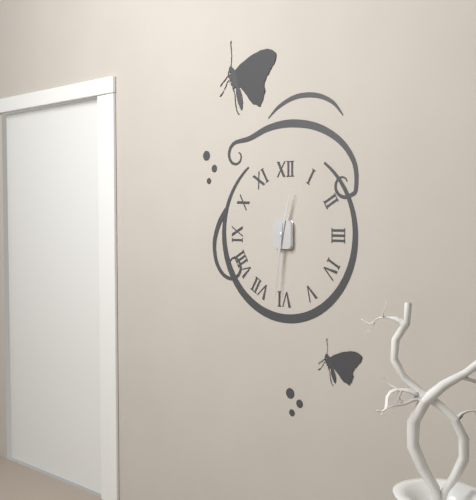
**12:31**
